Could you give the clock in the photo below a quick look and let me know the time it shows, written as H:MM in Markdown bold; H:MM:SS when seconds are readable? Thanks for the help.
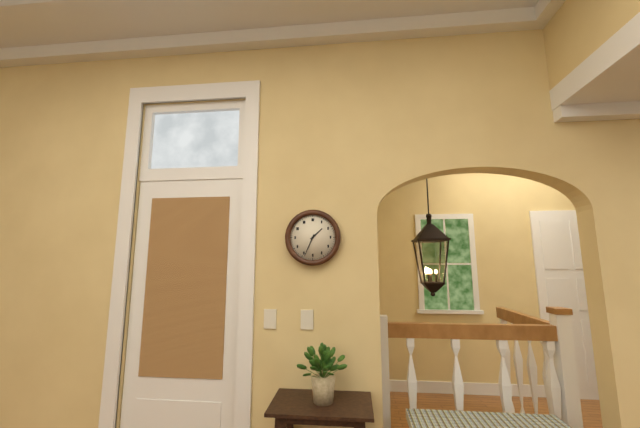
**1:34**
